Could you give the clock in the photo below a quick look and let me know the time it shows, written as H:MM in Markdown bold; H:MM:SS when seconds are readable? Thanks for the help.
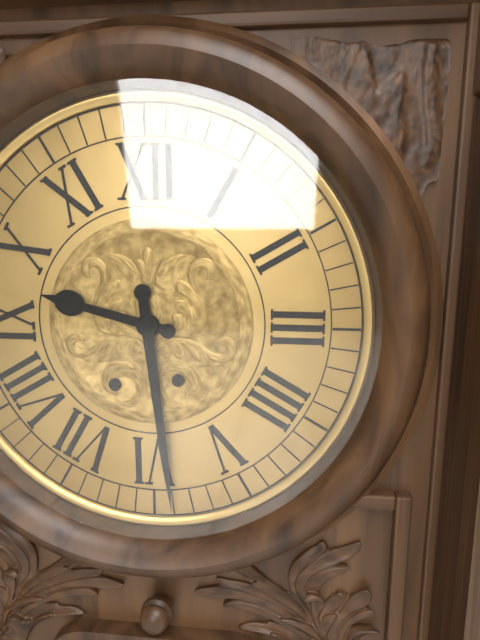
**9:29**
